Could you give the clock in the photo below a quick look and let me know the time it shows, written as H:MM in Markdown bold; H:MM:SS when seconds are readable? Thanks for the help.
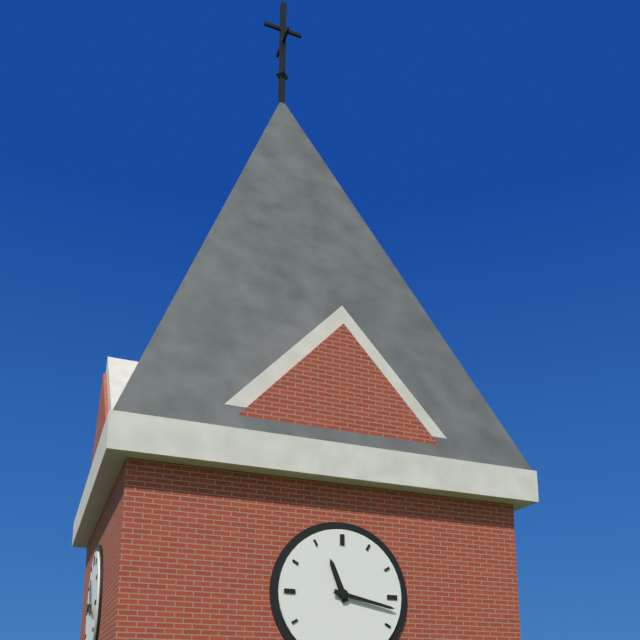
**11:17**
